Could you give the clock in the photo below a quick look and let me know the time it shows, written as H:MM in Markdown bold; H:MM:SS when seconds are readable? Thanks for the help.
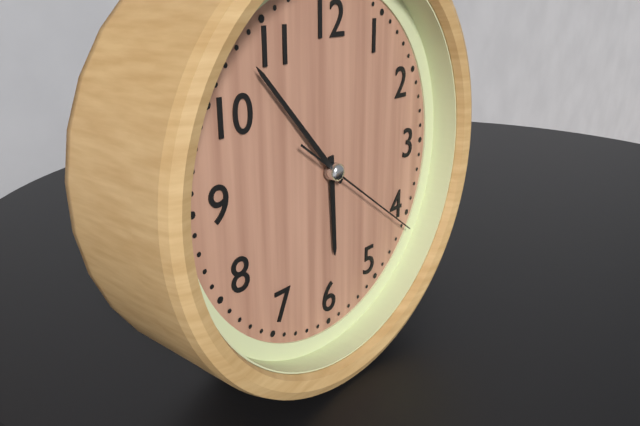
**5:53:21**
